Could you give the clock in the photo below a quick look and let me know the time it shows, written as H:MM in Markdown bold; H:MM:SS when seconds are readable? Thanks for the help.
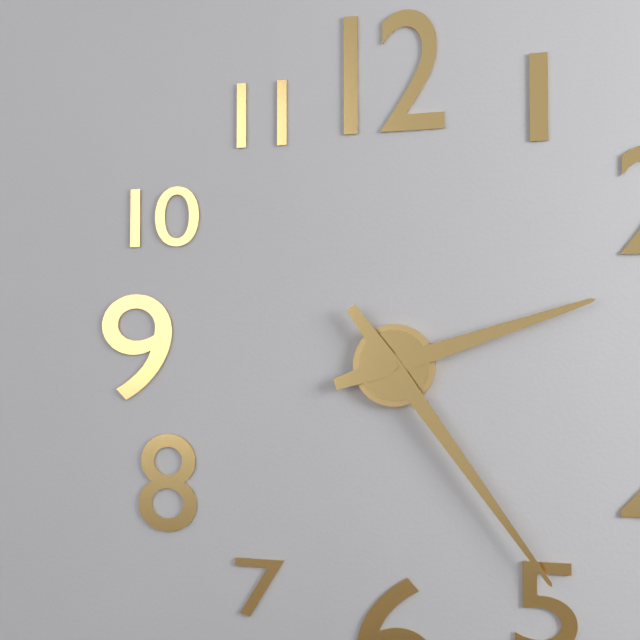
**2:24**
